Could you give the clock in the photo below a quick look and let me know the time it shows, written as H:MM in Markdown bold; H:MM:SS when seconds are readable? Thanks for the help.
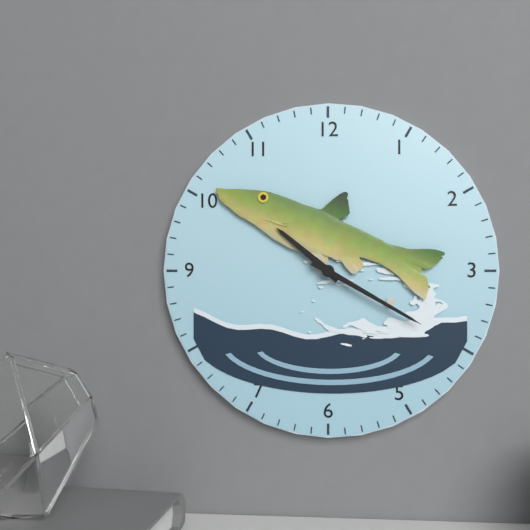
**10:20**
